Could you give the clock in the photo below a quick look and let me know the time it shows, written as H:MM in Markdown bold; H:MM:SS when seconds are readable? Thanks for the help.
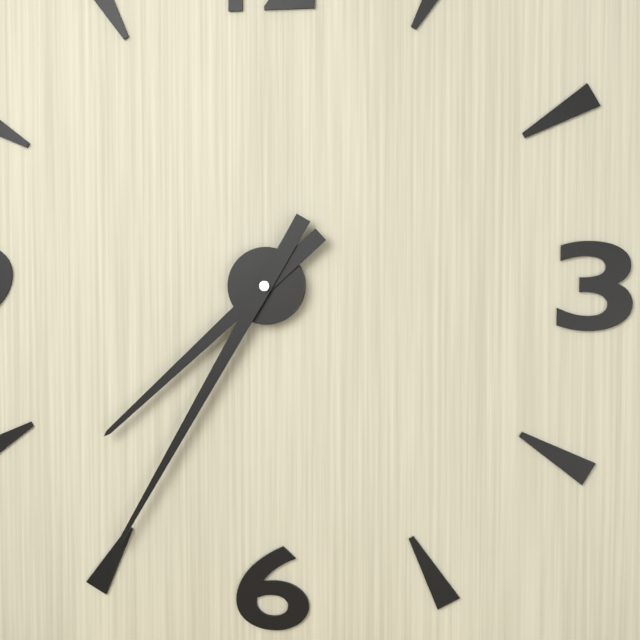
**7:35**
